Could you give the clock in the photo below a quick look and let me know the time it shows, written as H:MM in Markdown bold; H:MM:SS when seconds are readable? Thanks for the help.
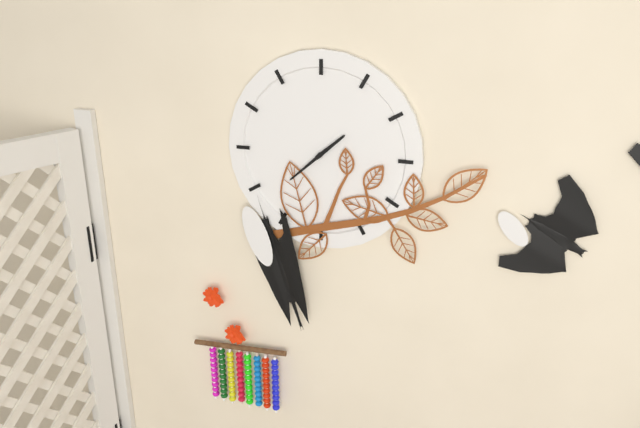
**1:38**
